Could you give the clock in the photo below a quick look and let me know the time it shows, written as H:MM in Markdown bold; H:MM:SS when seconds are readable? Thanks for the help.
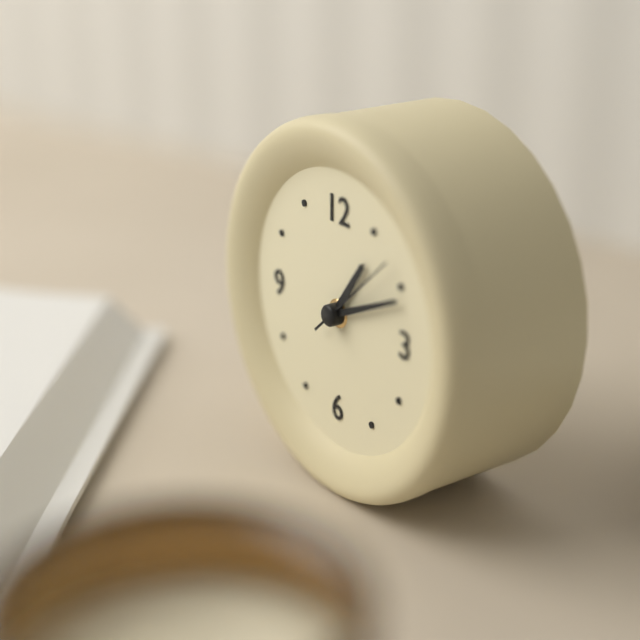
**1:11:08**
